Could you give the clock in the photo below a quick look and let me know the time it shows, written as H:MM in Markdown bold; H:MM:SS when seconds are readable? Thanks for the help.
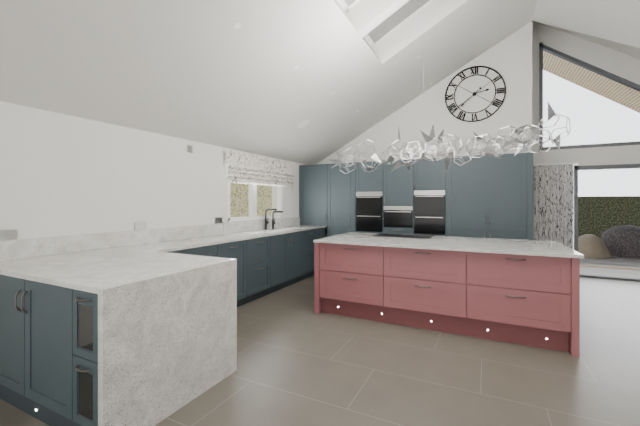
**2:38**
